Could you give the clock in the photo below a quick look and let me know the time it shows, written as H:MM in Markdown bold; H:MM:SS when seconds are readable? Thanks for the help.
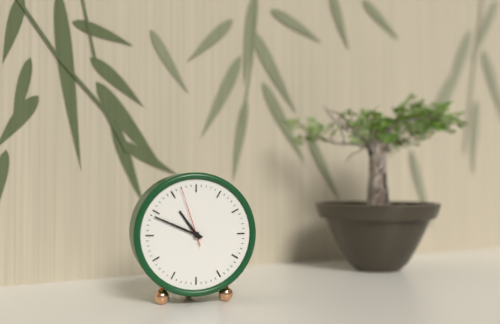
**10:49:57**
